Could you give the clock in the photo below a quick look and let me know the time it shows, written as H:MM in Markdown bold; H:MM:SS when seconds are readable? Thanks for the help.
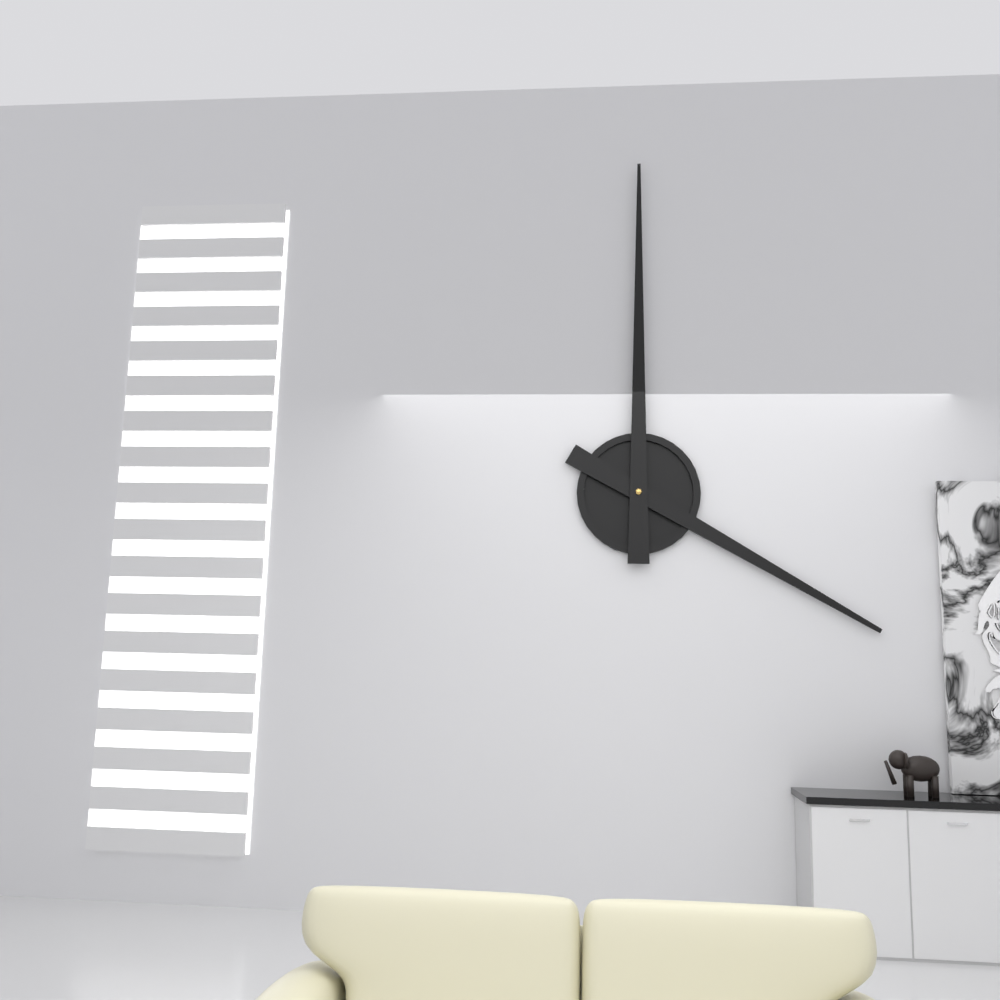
**4:00**
